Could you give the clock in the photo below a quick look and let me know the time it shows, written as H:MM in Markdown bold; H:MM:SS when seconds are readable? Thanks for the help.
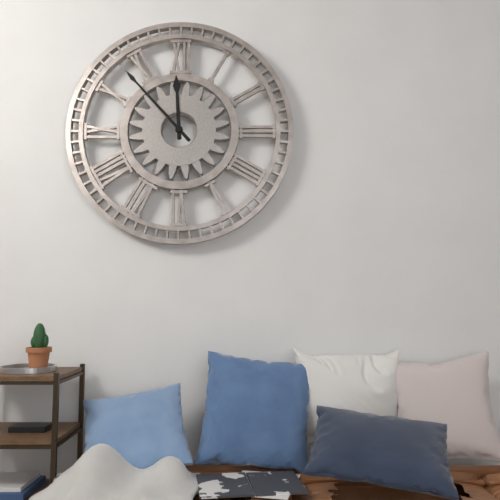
**11:53**
